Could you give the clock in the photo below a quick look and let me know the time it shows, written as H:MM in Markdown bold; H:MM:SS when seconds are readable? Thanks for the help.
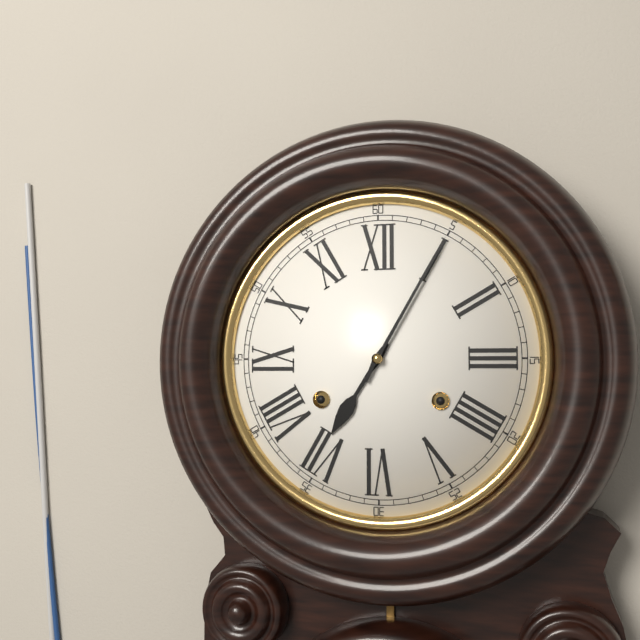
**7:05**
